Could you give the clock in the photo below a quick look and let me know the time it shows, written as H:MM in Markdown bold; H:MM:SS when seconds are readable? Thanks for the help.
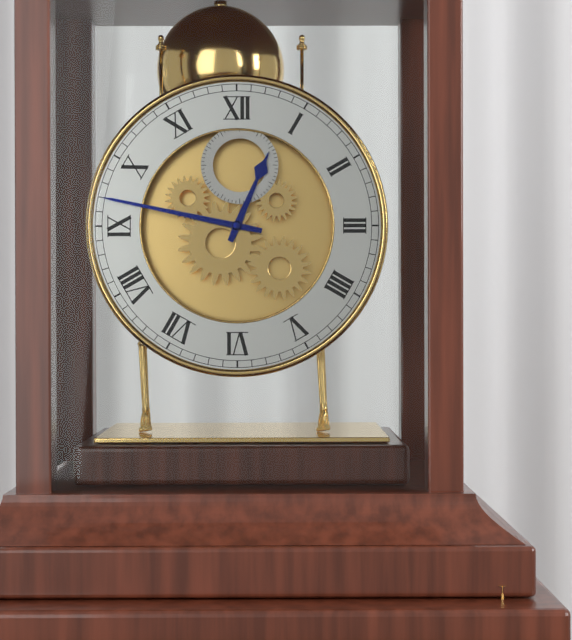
**12:47**
